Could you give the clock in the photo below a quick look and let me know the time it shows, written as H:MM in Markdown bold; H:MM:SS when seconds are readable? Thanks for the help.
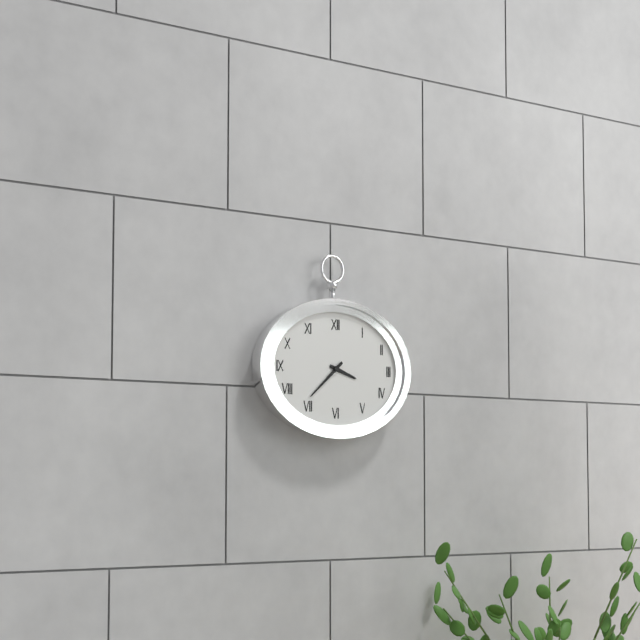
**3:38**
